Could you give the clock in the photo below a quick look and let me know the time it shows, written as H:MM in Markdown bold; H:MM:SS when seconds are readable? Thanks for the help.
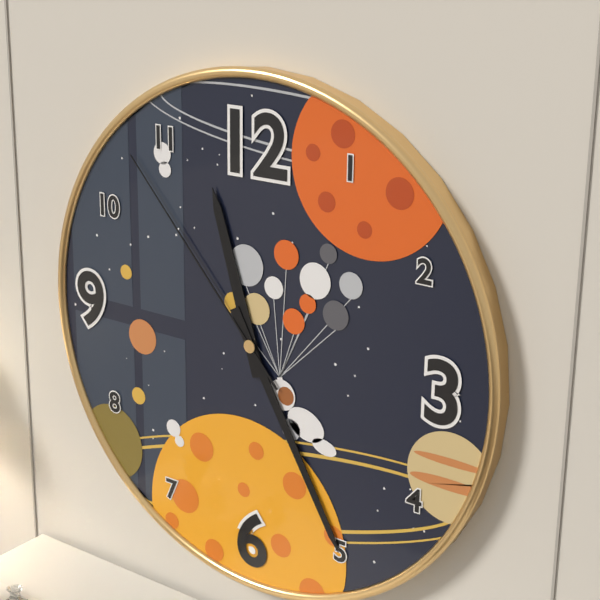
**11:25:53**
